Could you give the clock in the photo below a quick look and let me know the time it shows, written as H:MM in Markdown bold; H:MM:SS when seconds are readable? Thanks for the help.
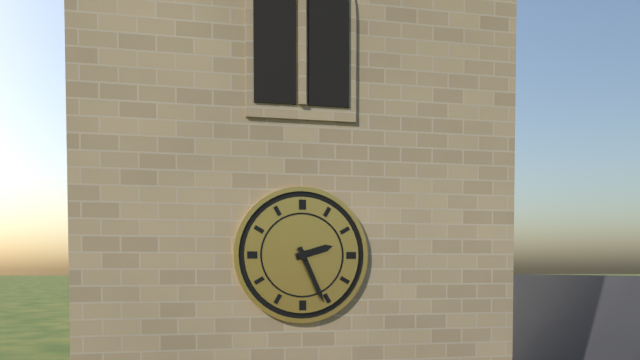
**2:26**
